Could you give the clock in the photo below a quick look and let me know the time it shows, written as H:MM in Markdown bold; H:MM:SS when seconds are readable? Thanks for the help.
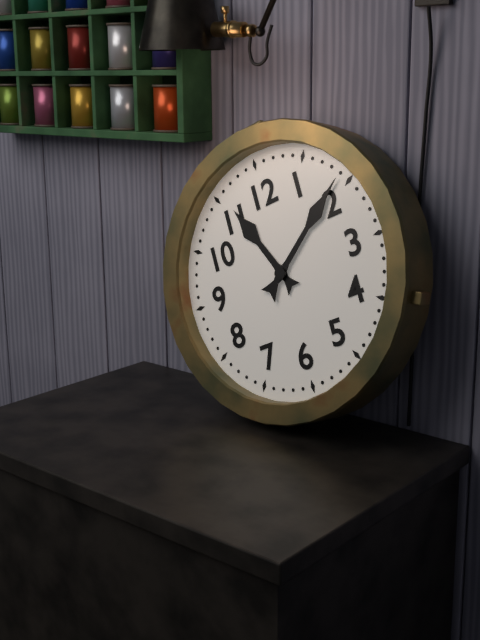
**11:09**
